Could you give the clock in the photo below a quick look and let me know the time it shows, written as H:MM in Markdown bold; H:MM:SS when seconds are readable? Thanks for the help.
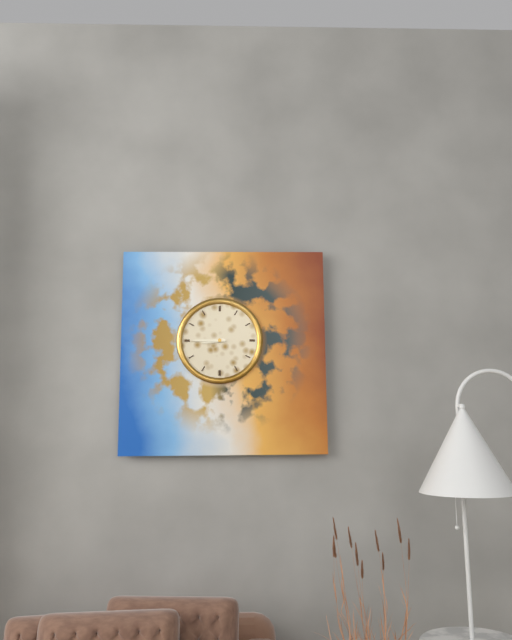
**8:45**
